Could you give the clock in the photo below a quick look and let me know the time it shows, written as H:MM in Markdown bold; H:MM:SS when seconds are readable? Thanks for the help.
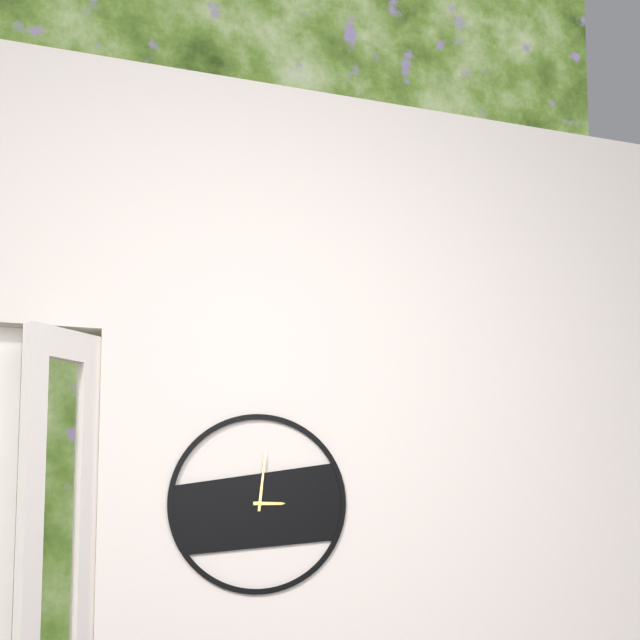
**3:01**
